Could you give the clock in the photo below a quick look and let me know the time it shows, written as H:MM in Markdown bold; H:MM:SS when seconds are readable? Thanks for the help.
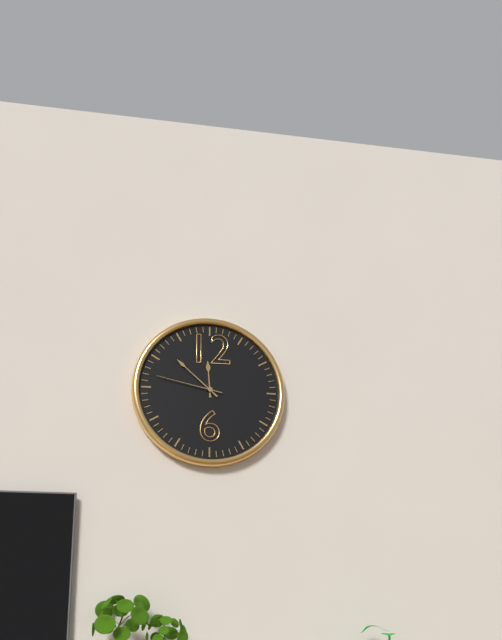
**11:52:47**
